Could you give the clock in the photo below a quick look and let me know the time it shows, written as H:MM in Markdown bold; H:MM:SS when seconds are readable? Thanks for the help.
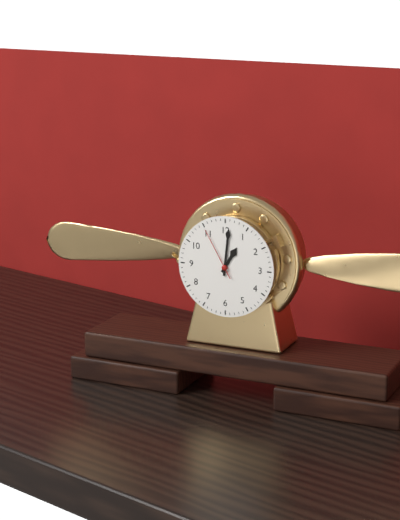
**1:01:55**
